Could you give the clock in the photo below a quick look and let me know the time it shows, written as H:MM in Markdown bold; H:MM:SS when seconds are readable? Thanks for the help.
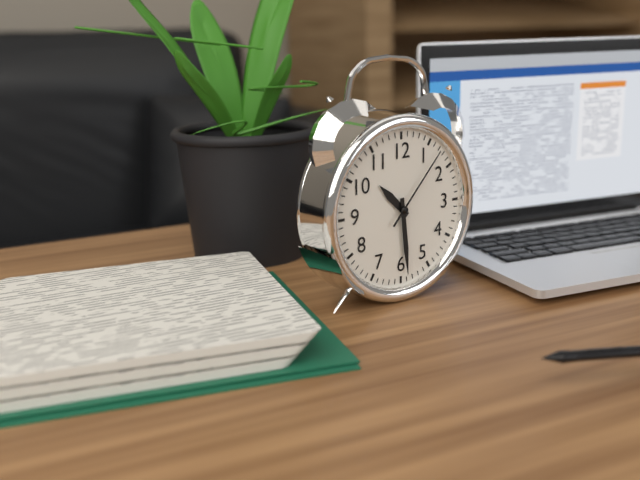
**10:29:07**
